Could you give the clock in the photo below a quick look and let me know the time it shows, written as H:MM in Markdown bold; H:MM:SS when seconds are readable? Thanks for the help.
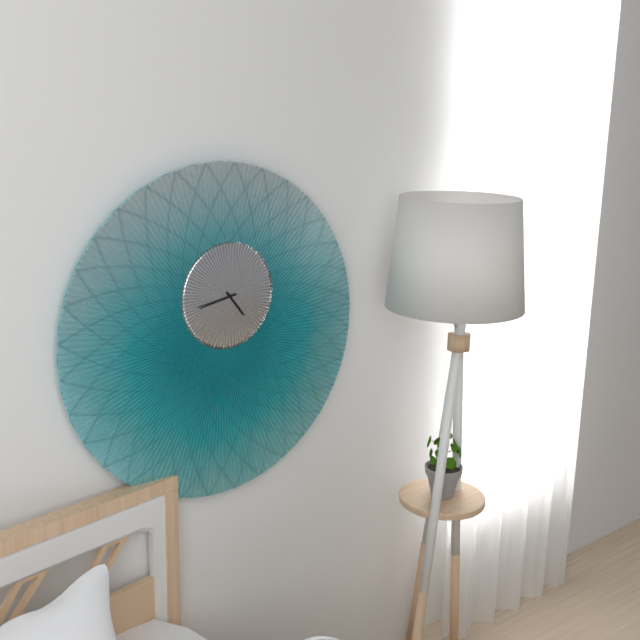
**4:43**
